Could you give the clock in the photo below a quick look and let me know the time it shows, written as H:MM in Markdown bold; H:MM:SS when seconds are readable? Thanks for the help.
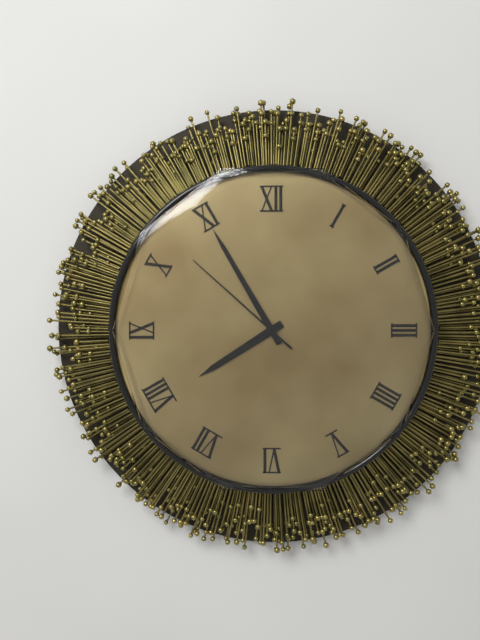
**7:55:52**
